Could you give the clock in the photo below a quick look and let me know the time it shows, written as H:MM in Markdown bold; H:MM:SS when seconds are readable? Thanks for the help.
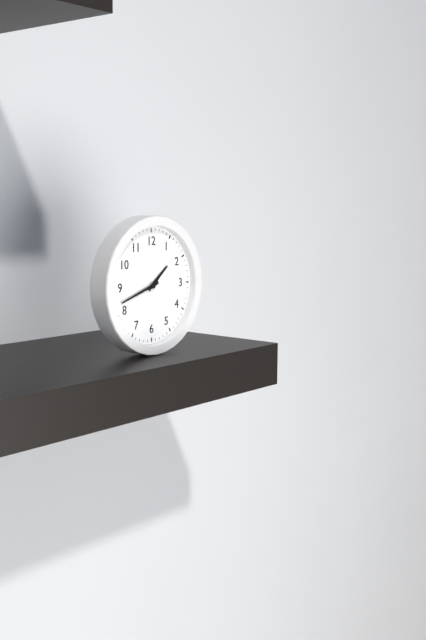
**1:42**
